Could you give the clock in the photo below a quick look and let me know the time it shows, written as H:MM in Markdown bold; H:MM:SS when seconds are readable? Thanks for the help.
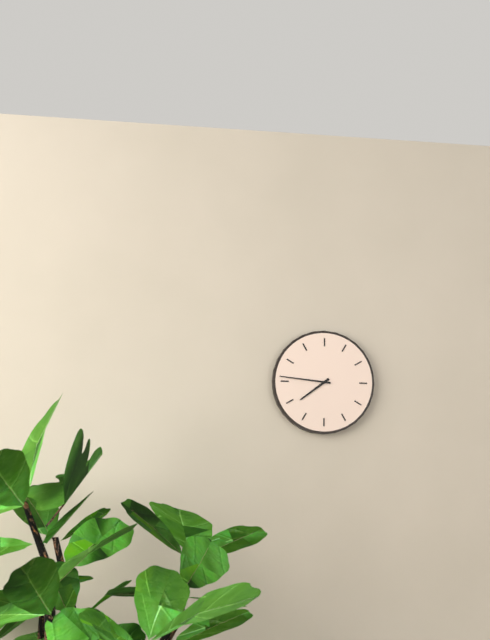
**7:46**
